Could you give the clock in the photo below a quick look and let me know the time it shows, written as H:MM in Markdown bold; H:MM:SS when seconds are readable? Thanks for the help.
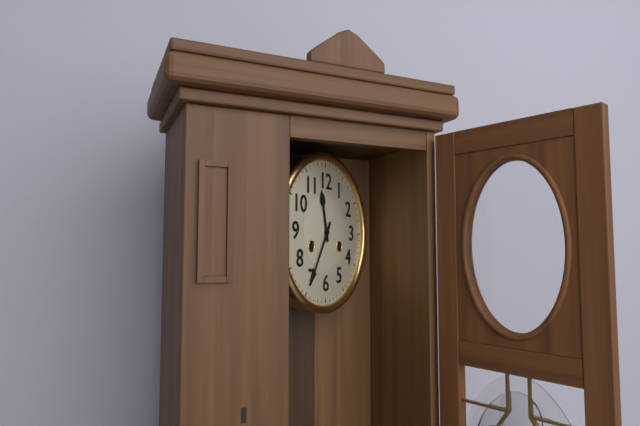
**11:35**
